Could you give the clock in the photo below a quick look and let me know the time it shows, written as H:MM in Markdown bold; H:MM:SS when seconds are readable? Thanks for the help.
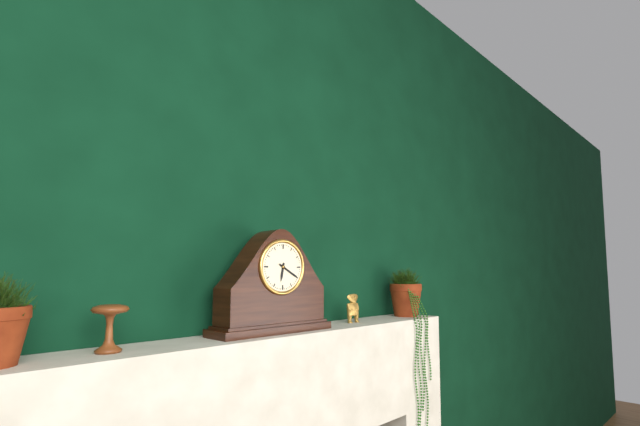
**6:20**
